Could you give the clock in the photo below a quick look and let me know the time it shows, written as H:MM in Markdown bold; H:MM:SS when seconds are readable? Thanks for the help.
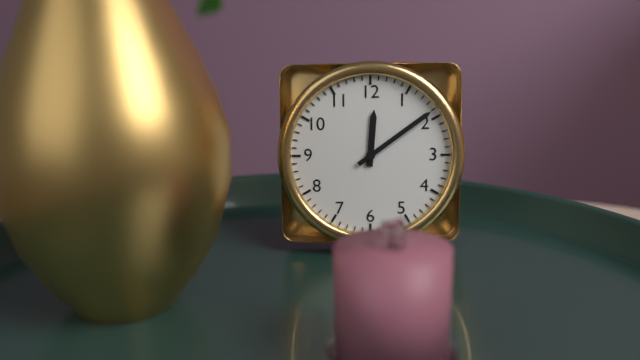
**12:09**
